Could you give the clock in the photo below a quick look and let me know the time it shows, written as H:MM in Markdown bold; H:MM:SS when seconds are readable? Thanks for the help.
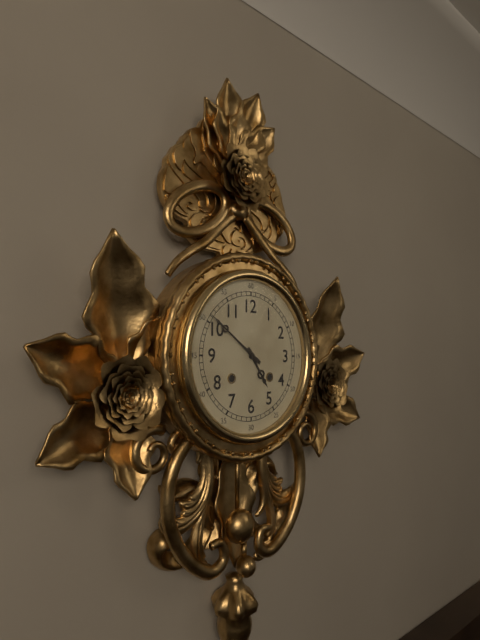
**4:51**
